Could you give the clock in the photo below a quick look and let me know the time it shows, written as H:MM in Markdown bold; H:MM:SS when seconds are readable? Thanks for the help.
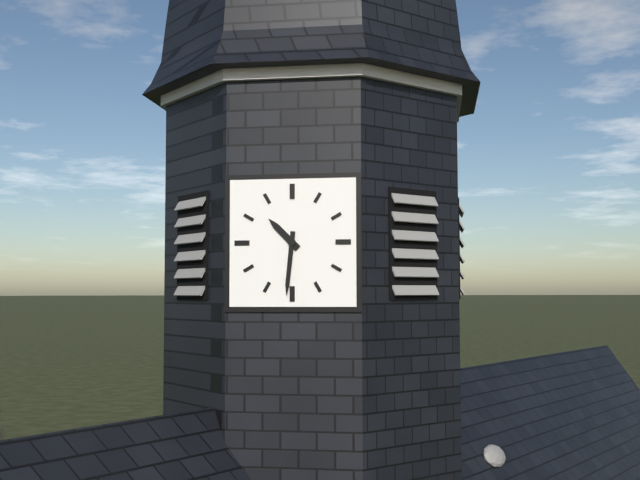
**10:31**
